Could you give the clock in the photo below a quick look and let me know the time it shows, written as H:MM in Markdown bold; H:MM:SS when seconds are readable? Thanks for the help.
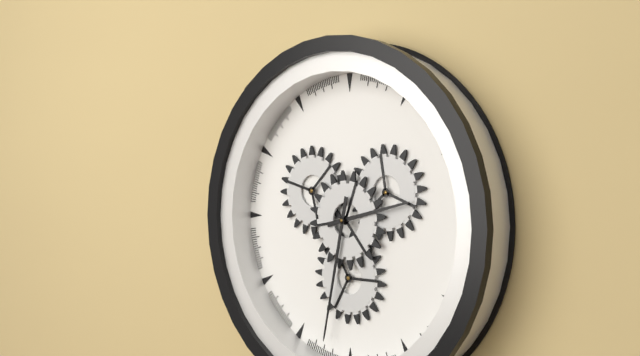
**2:32**
